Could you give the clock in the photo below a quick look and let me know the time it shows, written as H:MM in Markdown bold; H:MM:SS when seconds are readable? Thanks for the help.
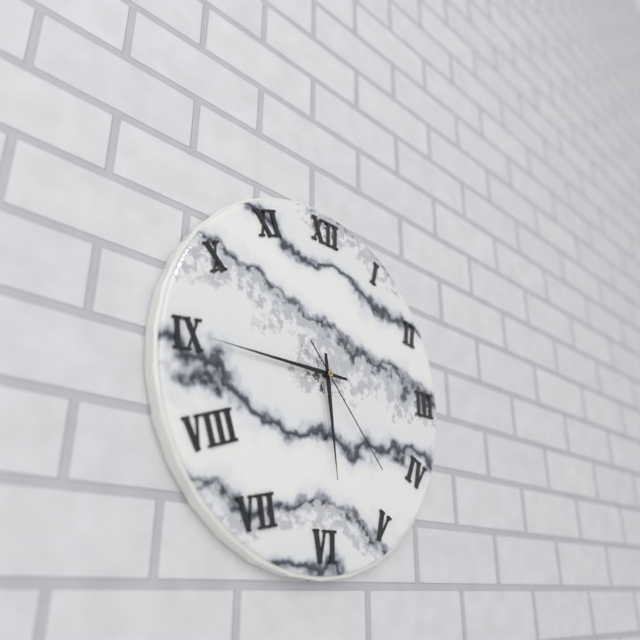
**5:45:23**
